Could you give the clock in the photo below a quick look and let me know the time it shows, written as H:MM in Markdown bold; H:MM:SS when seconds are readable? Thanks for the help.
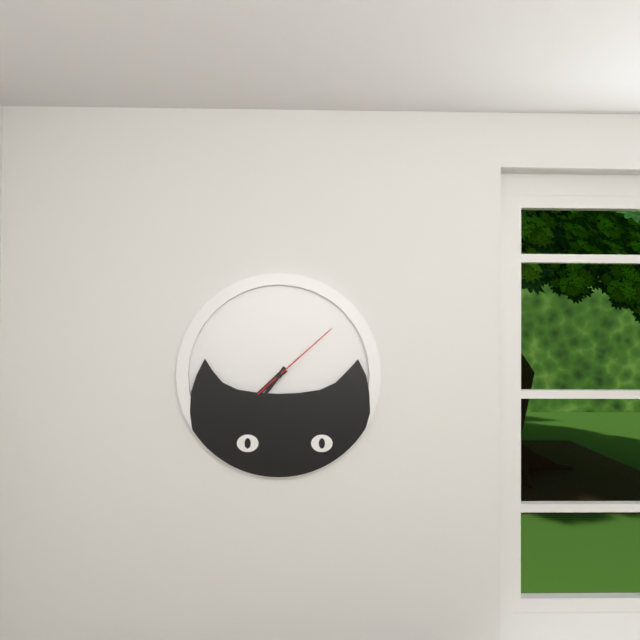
**7:36:08**
